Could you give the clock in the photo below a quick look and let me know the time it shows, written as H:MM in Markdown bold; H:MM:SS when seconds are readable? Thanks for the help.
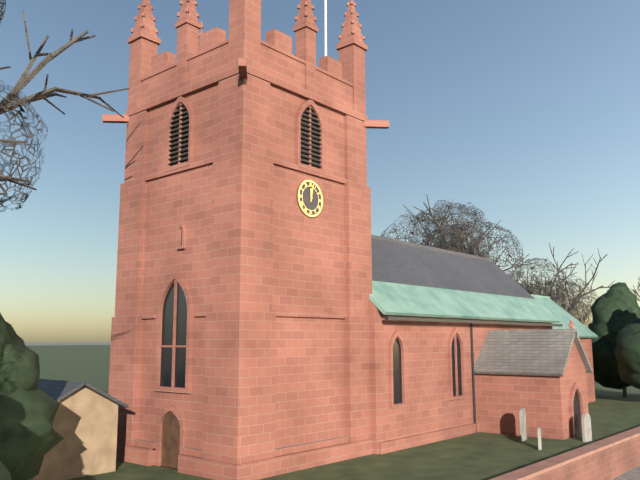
**12:02**
